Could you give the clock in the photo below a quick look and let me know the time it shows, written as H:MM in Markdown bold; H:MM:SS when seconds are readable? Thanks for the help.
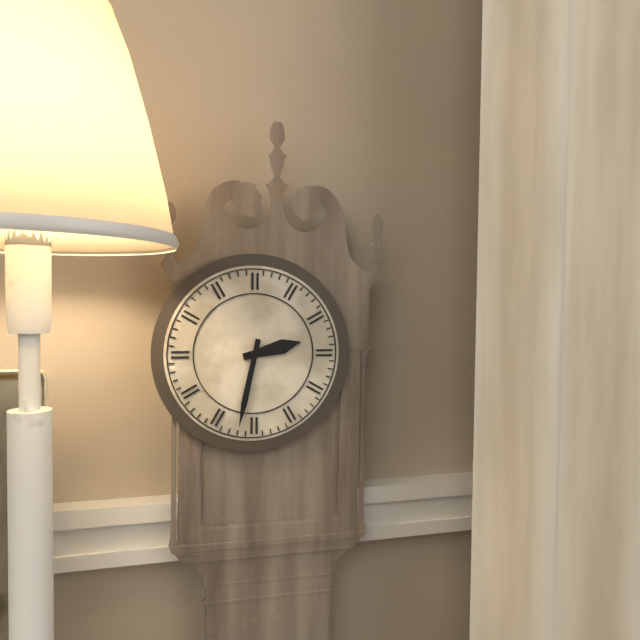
**2:32**
